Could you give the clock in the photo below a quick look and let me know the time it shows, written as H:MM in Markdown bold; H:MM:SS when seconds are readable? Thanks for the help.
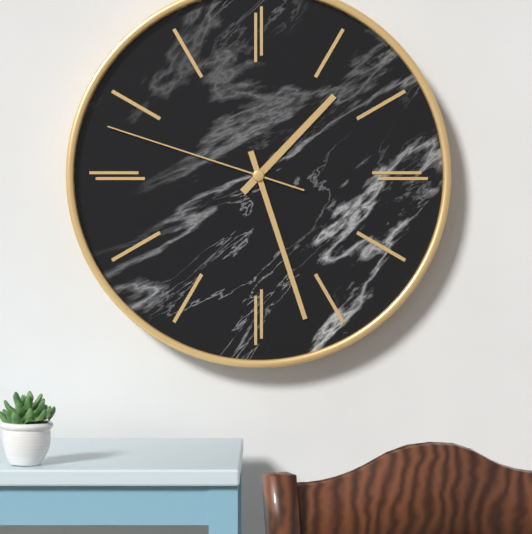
**1:27:48**
